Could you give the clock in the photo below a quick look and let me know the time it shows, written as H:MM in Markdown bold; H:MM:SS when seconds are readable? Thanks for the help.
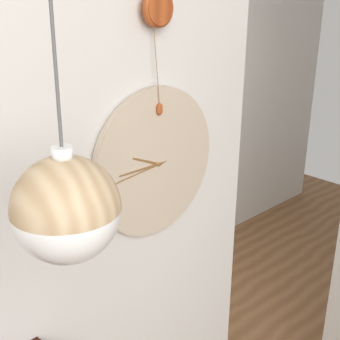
**9:45:44**
